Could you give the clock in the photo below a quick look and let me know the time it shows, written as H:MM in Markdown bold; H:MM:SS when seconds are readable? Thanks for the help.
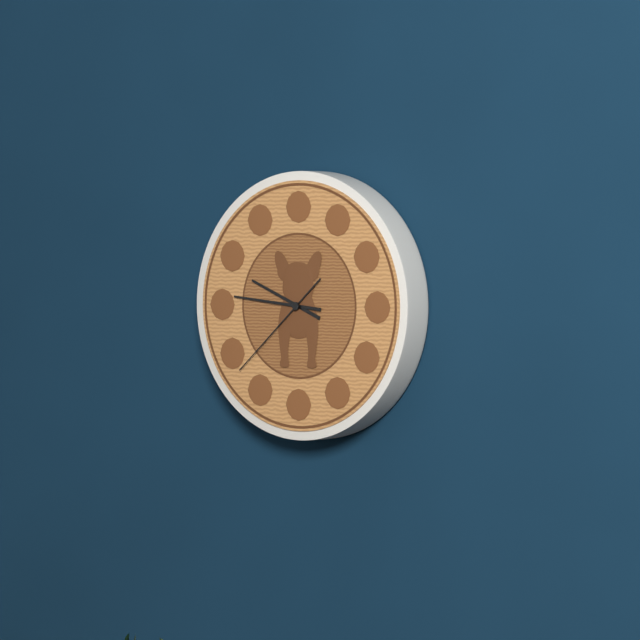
**9:46:38**
